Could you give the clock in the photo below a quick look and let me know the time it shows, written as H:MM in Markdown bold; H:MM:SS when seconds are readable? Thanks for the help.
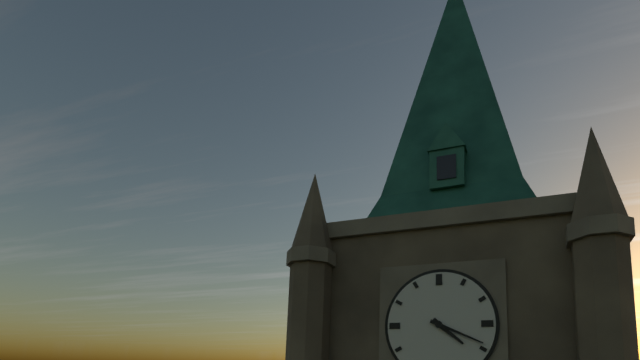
**4:19**
